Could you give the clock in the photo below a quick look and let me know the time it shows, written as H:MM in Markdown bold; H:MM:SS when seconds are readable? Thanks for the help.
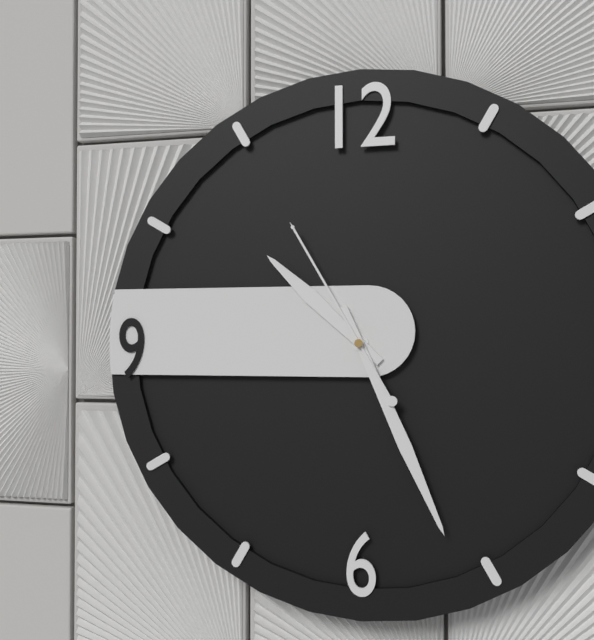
**10:26:55**
